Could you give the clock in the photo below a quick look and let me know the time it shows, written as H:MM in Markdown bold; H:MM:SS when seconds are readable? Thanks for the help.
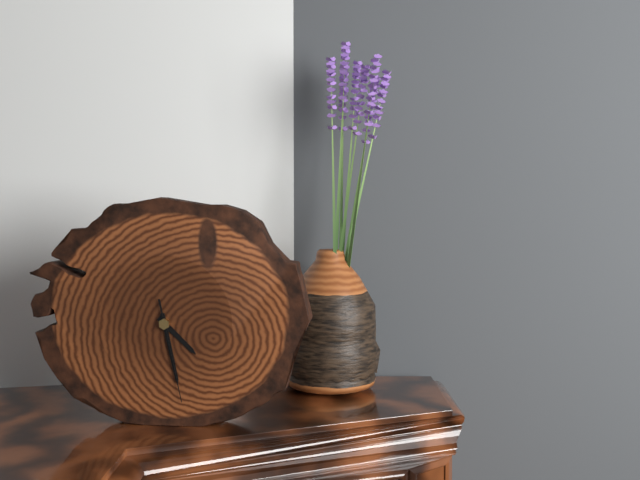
**4:28:28**
